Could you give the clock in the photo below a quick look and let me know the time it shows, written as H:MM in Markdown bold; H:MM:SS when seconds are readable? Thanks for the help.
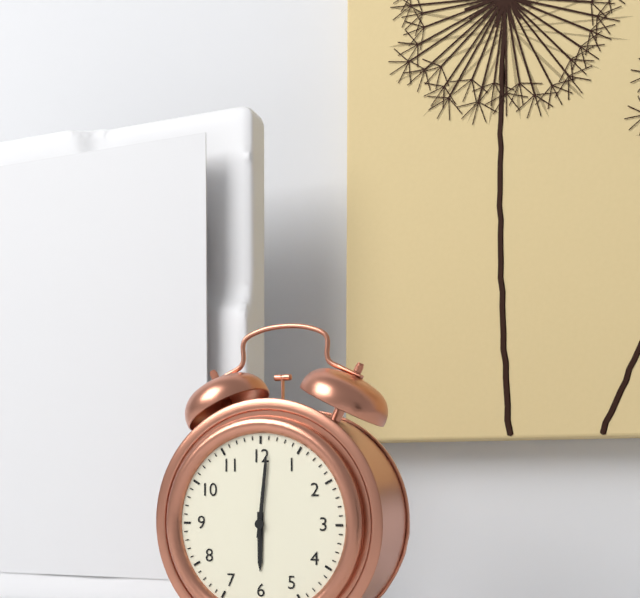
**6:01**
